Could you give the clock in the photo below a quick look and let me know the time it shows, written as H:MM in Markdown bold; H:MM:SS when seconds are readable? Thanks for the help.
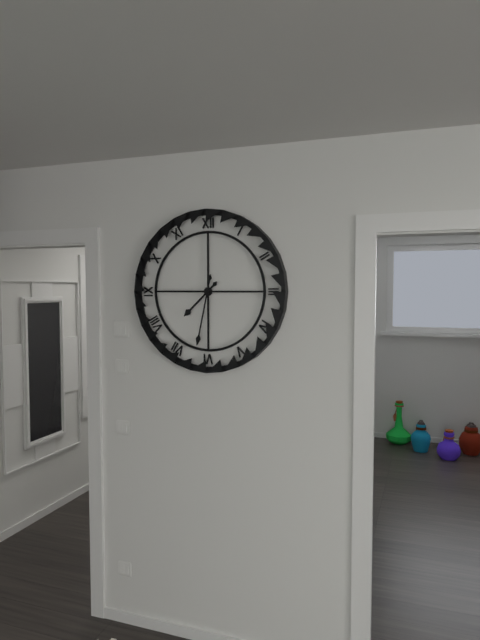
**7:32**
